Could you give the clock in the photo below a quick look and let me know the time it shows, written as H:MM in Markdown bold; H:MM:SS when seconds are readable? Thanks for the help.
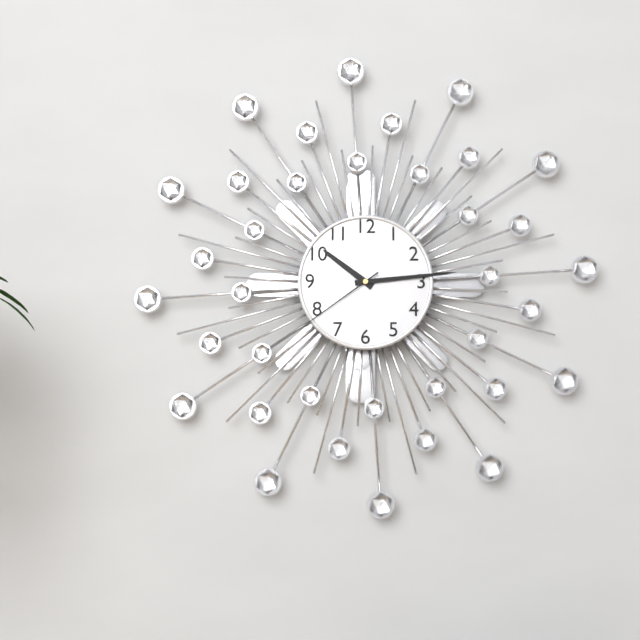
**10:14:39**
